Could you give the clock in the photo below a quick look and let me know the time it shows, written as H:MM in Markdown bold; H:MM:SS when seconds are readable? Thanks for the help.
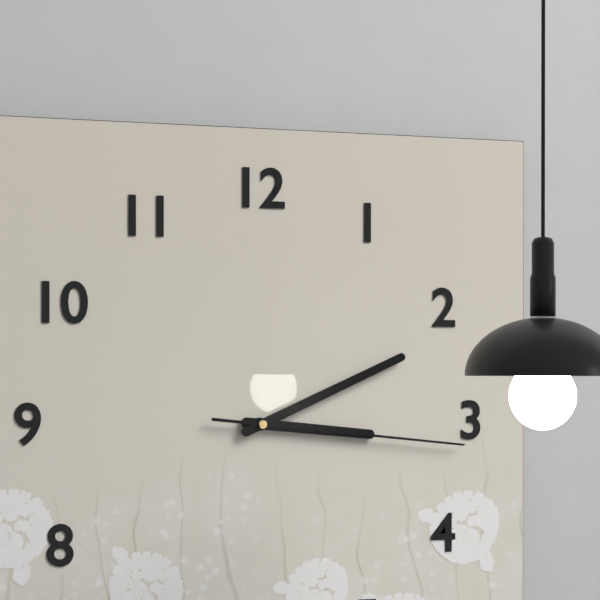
**3:11:16**
